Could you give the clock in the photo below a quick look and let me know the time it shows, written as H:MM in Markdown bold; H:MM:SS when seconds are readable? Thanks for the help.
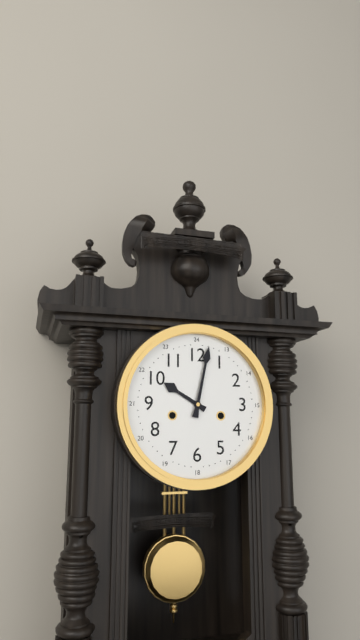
**10:02**
